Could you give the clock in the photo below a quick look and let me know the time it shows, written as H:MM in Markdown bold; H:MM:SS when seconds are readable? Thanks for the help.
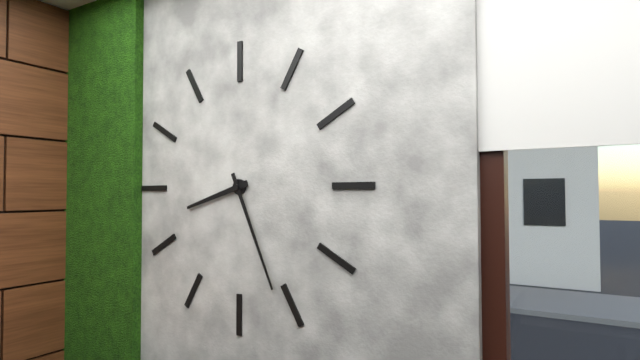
**8:26**
